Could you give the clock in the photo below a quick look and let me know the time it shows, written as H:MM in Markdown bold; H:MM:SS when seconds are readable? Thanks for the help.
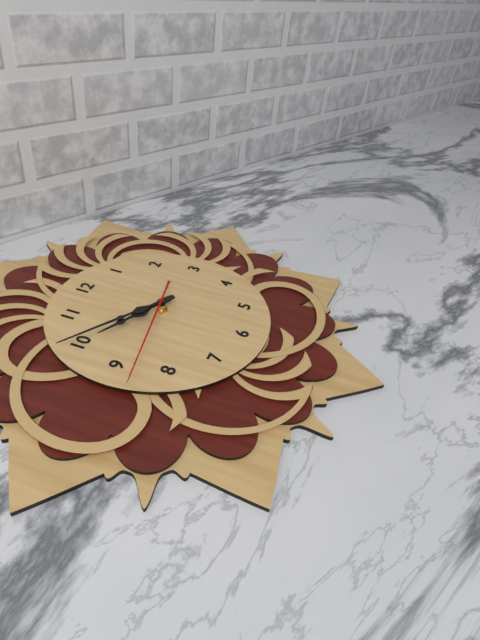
**9:50:43**
